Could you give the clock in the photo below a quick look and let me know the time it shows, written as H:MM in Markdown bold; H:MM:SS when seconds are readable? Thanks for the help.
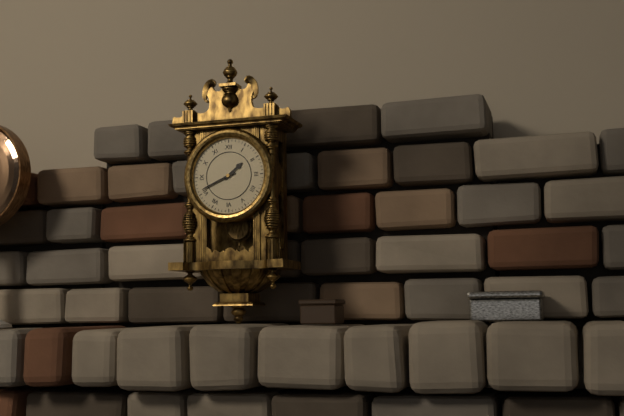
**1:41**
